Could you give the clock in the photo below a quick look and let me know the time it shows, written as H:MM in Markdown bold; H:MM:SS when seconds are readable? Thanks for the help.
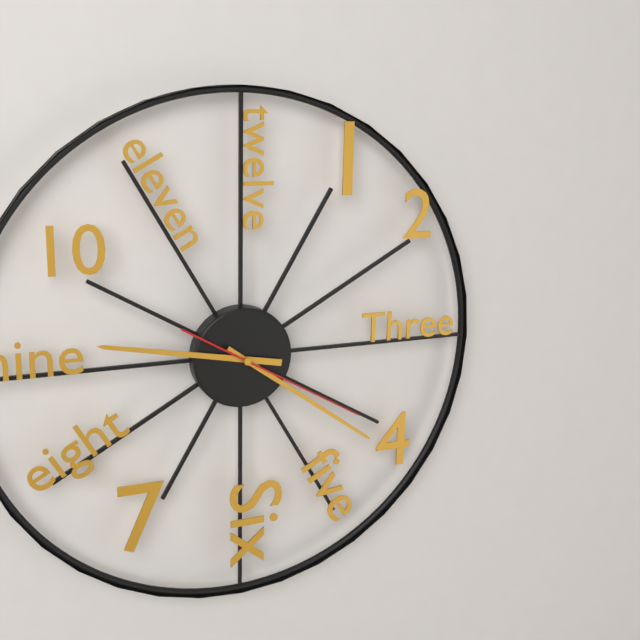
**9:21:20**
